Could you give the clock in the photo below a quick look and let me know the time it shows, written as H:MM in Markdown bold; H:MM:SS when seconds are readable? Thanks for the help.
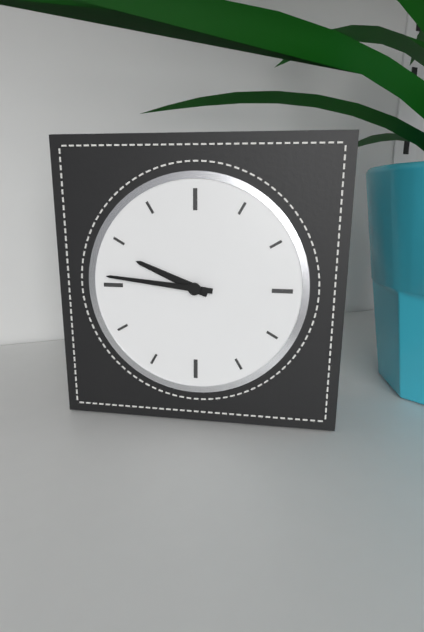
**9:46**
